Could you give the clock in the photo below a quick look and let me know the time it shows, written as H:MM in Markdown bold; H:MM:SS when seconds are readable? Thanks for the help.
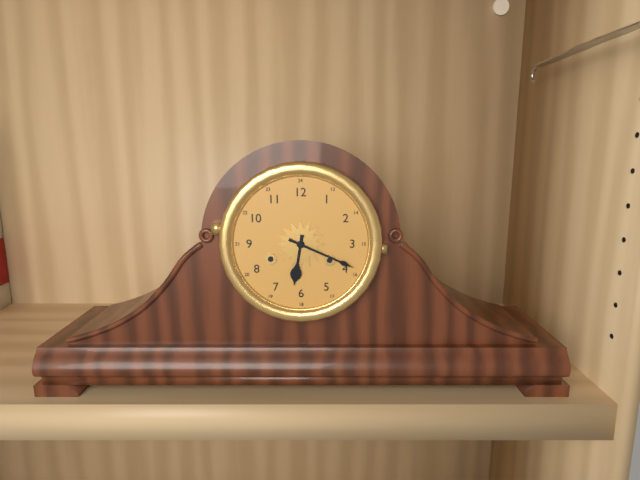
**6:19**
